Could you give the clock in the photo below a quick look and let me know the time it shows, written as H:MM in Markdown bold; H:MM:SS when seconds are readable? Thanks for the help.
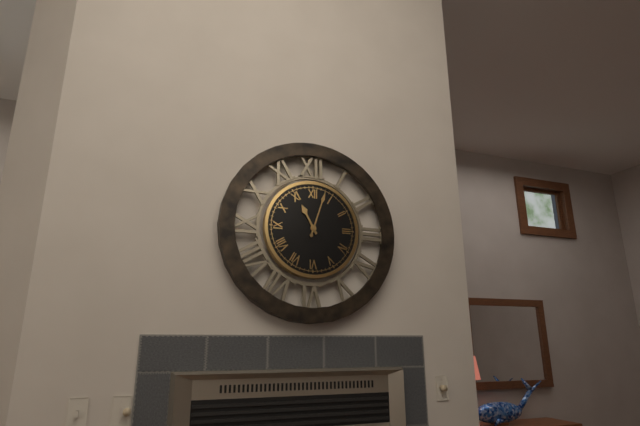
**11:03**
